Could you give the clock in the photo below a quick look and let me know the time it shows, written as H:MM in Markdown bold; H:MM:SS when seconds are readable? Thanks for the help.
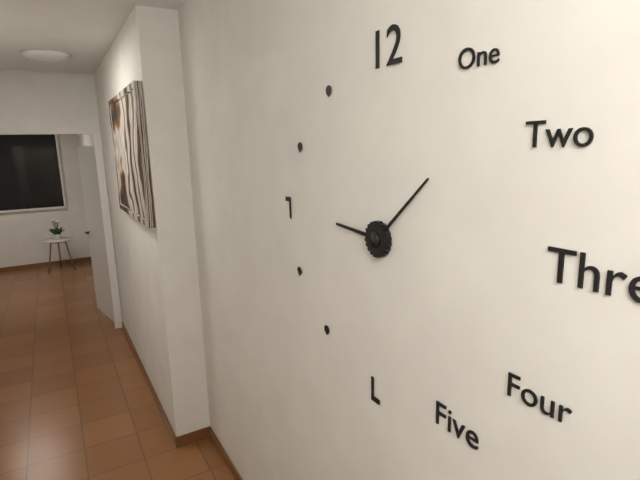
**9:08**
